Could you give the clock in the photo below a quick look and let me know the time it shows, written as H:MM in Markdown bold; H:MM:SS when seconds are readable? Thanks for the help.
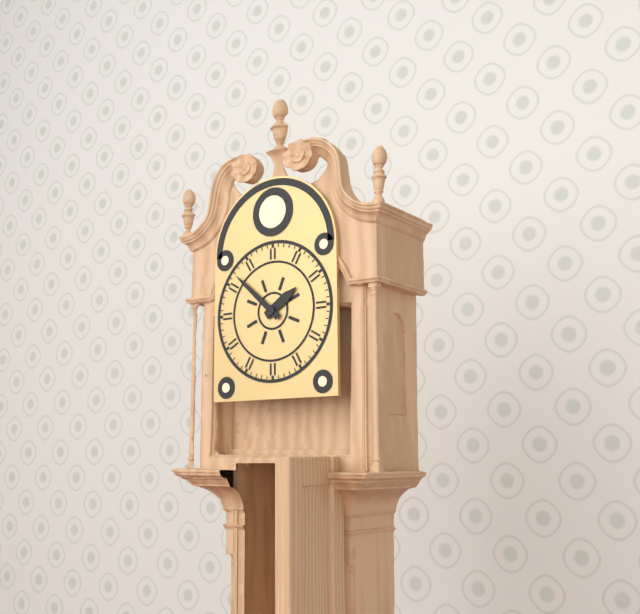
**1:52**
